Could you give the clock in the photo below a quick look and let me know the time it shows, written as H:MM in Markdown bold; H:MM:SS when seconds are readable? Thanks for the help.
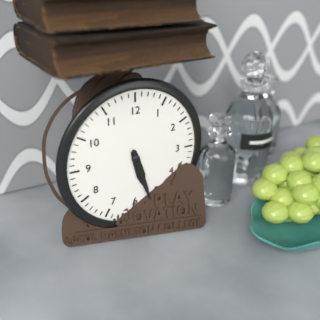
**5:27**
